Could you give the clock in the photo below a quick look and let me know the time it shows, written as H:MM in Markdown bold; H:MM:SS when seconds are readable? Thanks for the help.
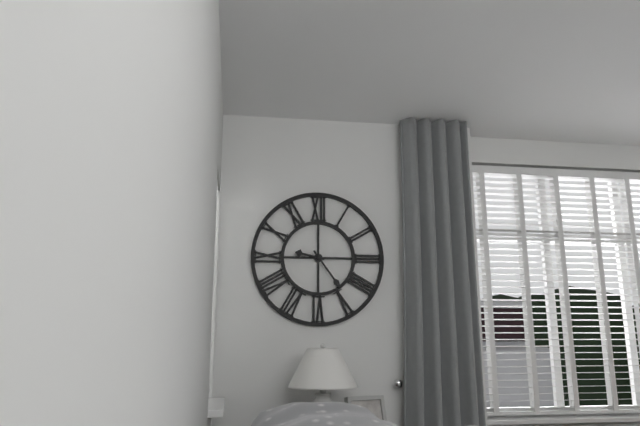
**9:24**
